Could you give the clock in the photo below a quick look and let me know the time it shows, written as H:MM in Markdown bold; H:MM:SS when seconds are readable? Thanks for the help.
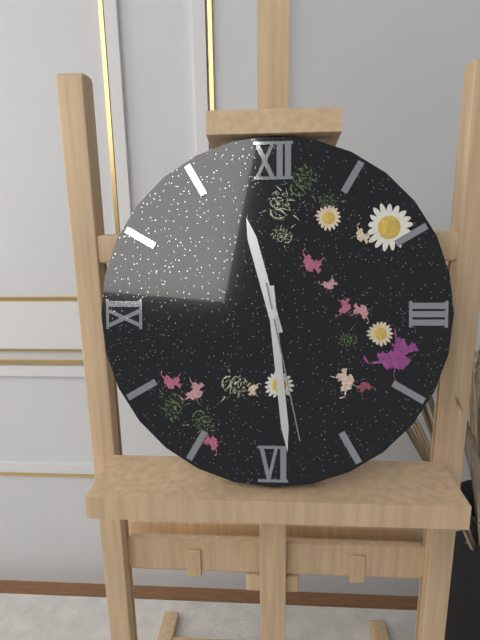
**11:29:28**
